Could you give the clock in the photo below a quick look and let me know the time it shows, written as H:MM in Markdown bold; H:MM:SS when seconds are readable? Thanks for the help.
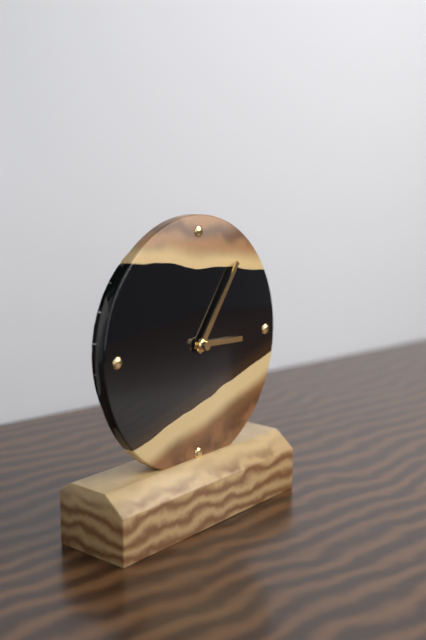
**3:06**
